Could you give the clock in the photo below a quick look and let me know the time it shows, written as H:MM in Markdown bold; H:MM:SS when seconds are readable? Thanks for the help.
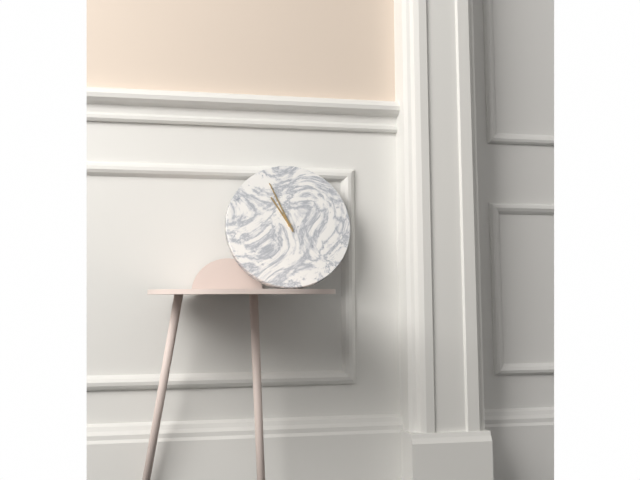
**10:56**
